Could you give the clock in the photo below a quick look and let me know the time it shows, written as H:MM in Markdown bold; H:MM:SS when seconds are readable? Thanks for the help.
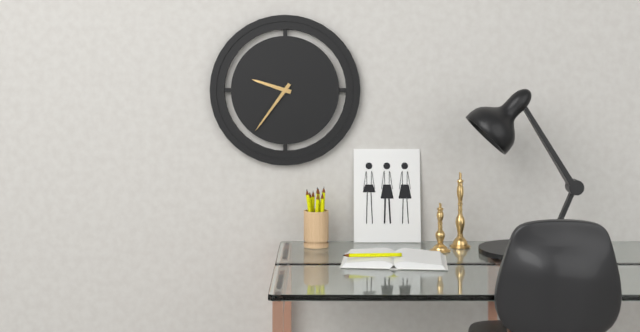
**9:36**
